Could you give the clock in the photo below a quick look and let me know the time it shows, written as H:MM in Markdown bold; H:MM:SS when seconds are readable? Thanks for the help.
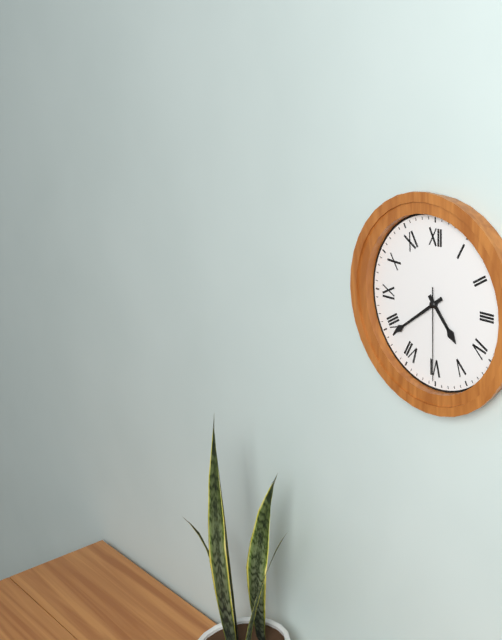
**4:39:30**
